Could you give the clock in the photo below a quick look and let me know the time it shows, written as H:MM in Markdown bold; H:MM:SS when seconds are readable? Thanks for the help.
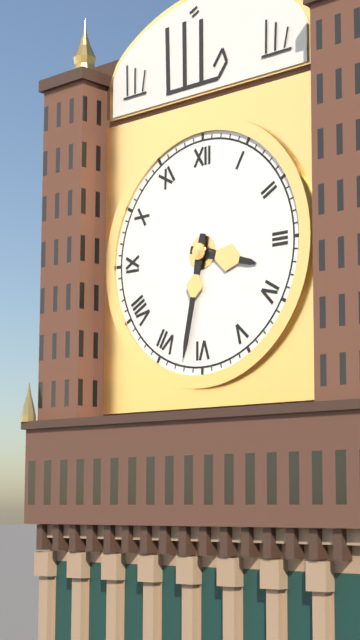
**3:32**
